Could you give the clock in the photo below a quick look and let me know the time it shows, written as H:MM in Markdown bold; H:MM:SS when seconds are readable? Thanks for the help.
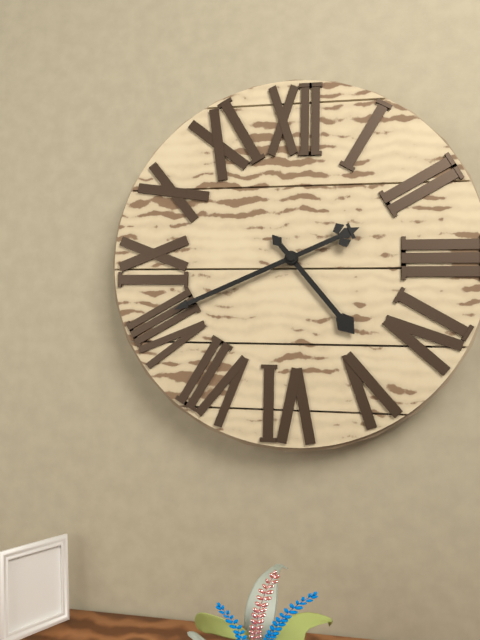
**4:41**
